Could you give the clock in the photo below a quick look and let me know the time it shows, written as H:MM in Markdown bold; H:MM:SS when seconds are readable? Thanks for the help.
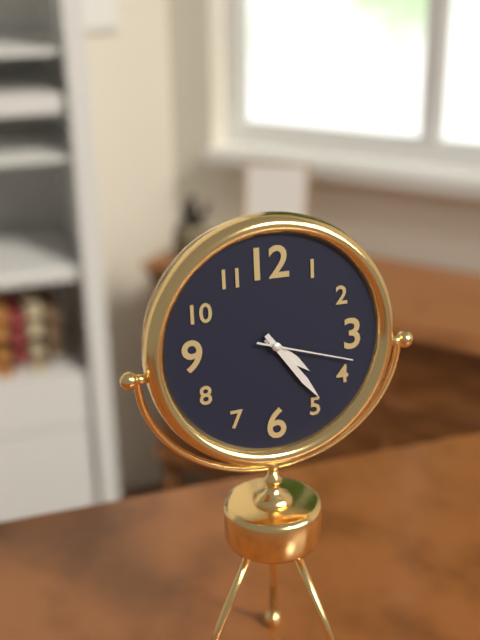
**4:24:18**
